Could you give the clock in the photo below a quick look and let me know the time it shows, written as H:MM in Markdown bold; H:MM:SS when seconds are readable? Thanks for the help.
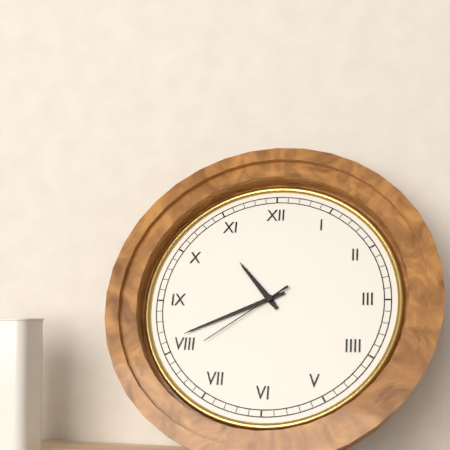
**10:41:39**
